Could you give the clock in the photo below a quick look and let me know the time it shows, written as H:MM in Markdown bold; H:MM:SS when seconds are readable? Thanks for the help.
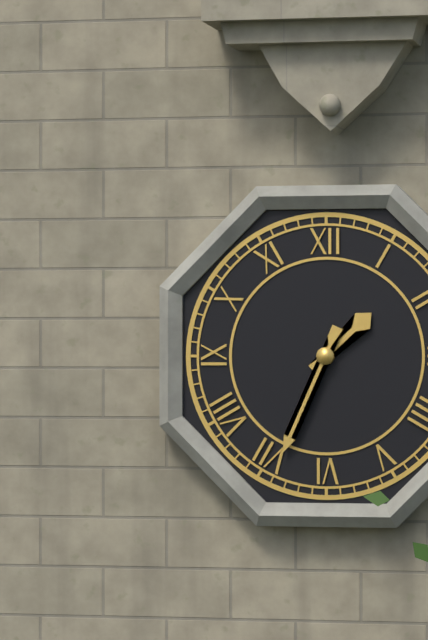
**1:34**
